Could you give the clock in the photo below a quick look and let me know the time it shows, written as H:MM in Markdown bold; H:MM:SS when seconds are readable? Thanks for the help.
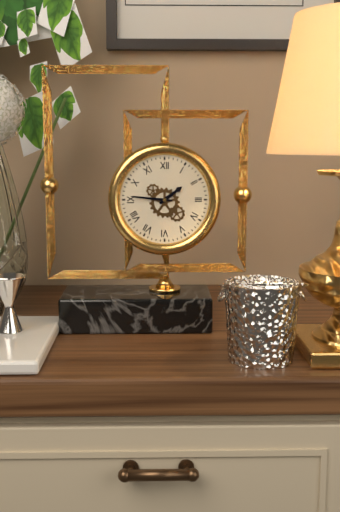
**1:46**
